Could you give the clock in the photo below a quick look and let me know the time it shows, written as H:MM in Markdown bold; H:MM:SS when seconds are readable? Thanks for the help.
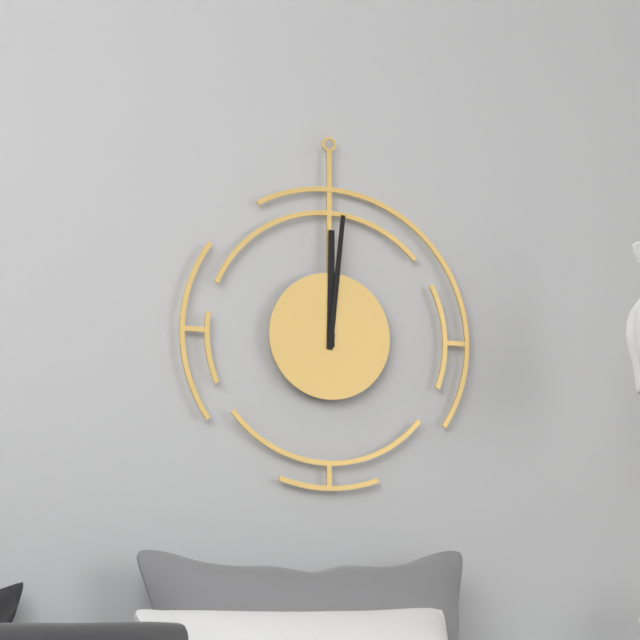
**12:01**
